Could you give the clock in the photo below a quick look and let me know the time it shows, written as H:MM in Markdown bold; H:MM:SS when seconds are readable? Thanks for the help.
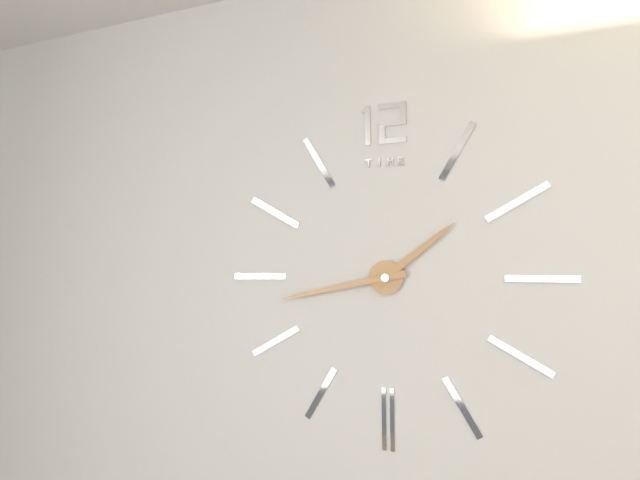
**1:43**
